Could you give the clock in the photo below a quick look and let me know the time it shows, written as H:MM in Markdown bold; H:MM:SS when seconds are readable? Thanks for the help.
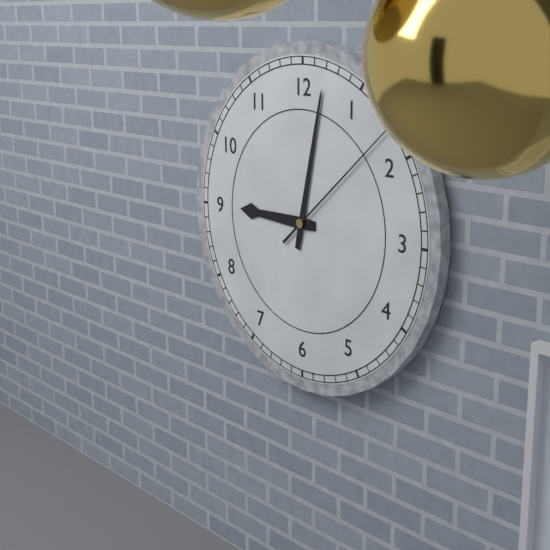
**9:02:08**
